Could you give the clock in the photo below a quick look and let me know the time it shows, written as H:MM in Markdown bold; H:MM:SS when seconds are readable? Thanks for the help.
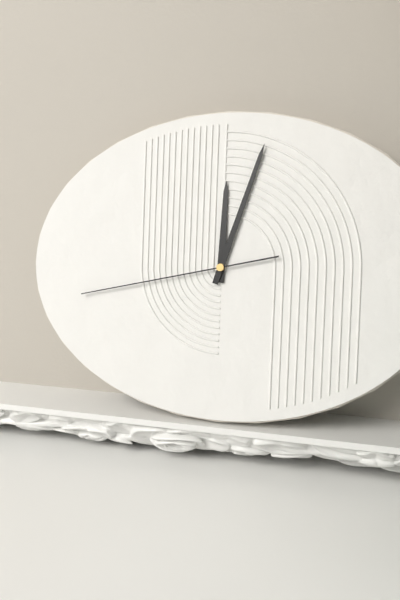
**12:03:43**
